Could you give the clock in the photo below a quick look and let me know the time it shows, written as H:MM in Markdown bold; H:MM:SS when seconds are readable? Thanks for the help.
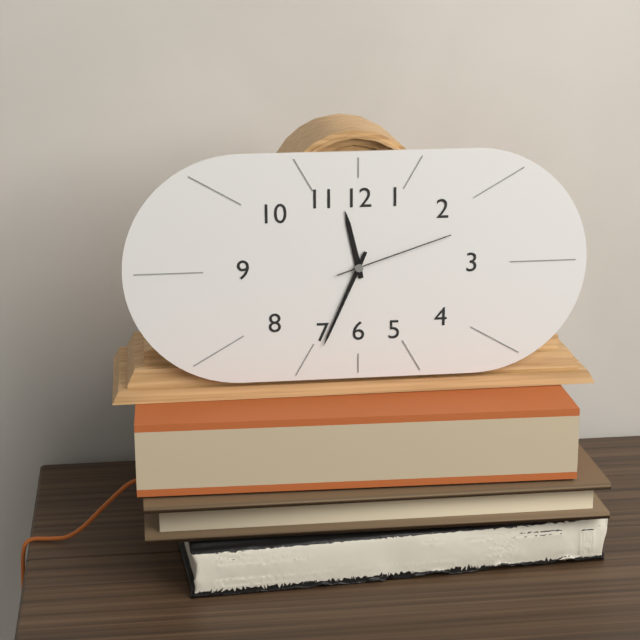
**11:34:12**
